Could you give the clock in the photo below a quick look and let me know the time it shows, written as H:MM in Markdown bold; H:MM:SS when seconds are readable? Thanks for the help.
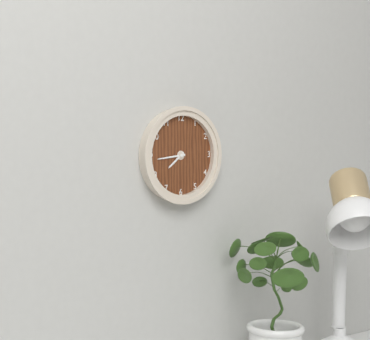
**7:44**
